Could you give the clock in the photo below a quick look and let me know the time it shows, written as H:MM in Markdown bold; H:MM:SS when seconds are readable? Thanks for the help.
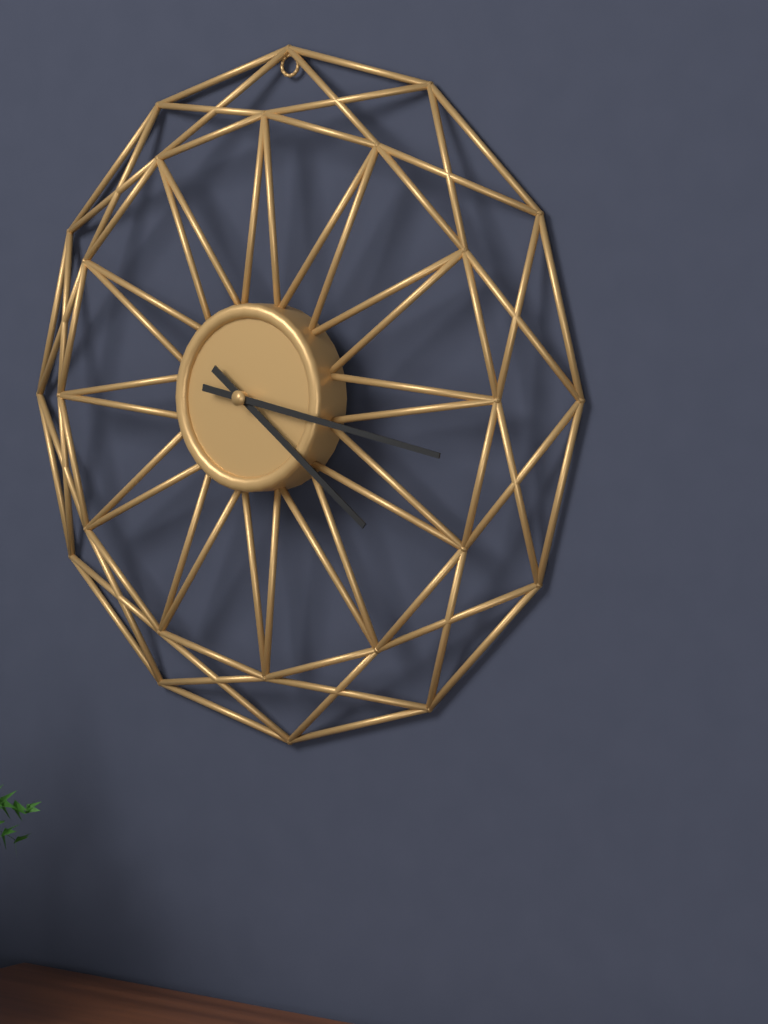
**4:17**
